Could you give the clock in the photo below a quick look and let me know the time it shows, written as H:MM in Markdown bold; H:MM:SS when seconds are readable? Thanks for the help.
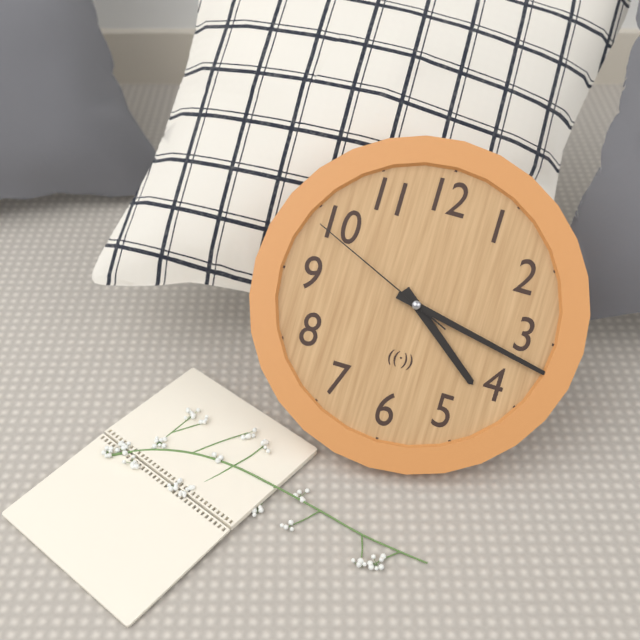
**4:17:49**
